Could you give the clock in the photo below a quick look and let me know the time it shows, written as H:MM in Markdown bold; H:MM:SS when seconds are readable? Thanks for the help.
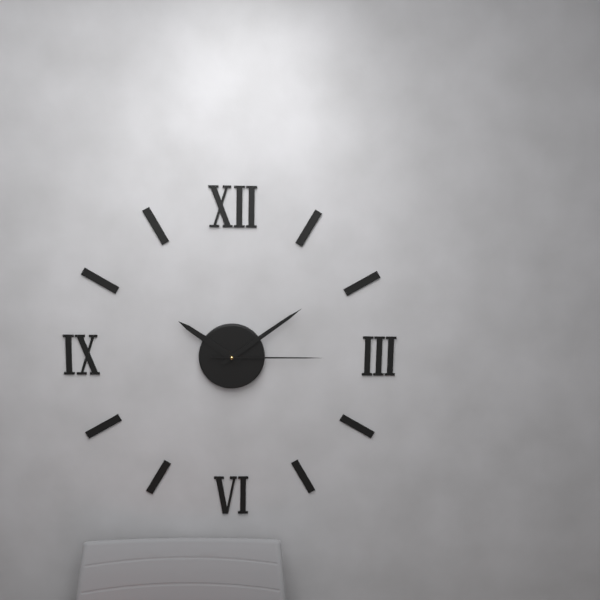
**10:09:15**
